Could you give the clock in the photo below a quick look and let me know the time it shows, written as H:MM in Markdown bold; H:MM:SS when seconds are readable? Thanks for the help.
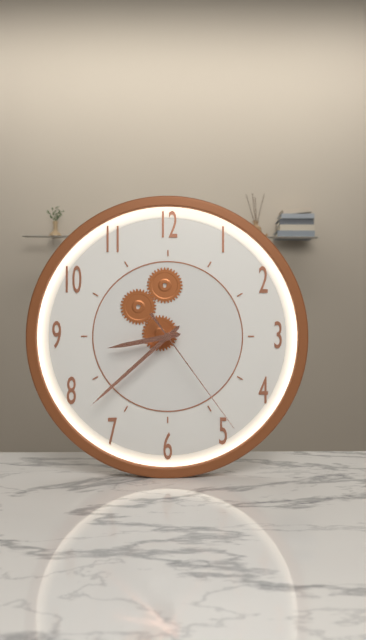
**8:38:24**
